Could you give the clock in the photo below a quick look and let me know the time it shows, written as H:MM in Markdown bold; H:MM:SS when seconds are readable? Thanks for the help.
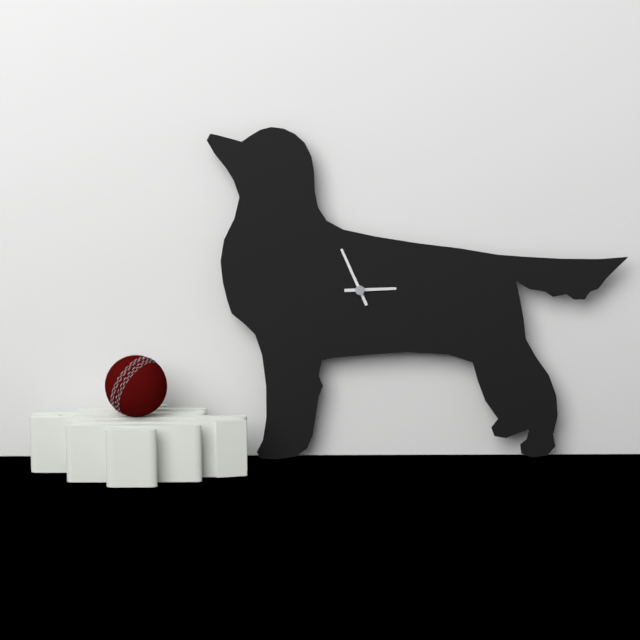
**2:56**
